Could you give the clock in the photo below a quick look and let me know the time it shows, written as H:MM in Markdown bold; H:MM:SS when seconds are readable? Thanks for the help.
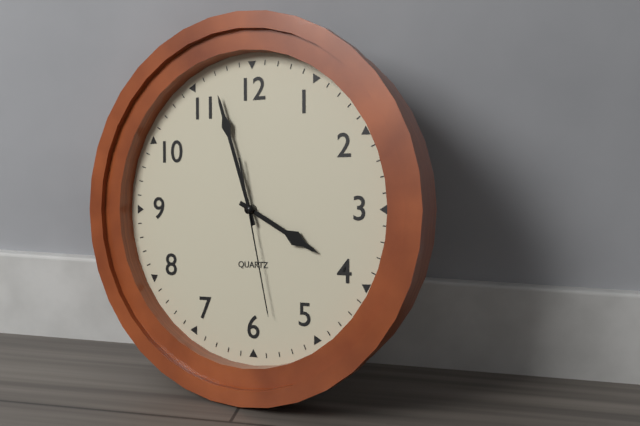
**3:57:28**
